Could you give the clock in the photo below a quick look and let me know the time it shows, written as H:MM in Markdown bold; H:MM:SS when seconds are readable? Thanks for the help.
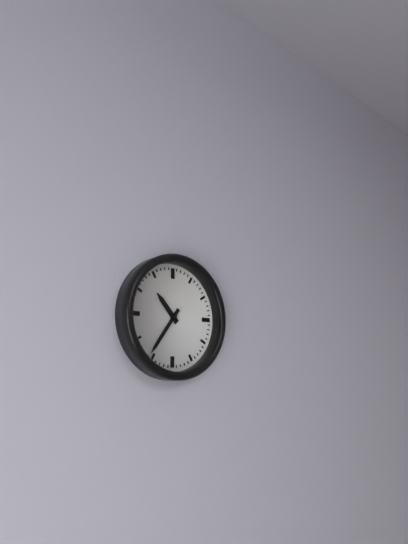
**10:36**
